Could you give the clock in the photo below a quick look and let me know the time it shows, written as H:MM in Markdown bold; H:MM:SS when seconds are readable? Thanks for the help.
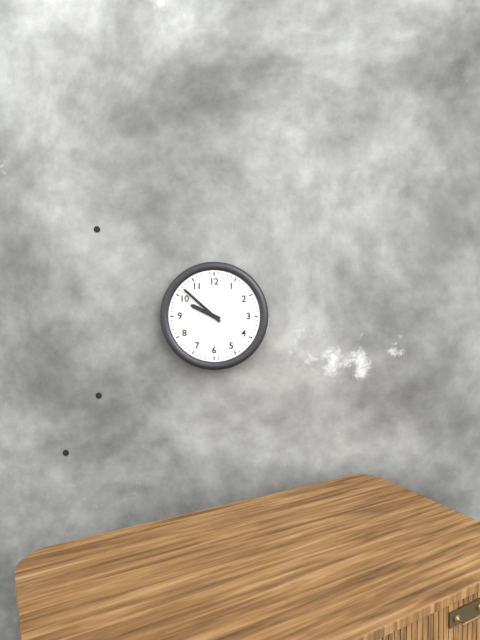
**9:52**
